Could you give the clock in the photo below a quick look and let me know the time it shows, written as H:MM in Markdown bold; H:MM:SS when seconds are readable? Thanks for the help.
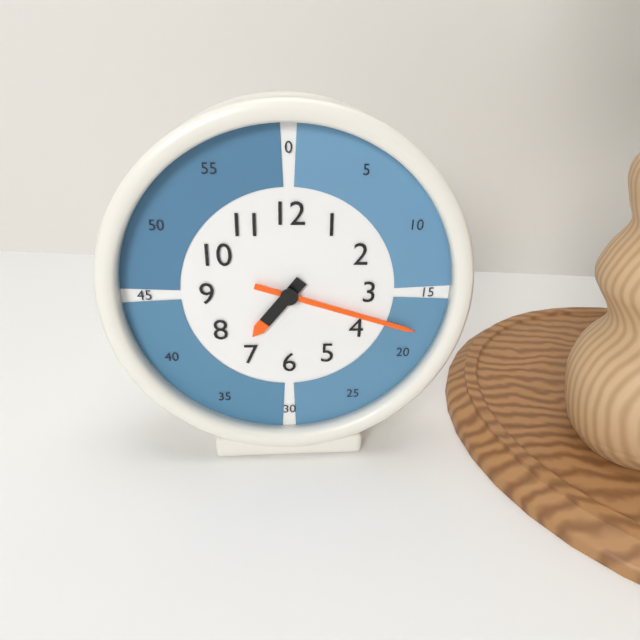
**7:18**
